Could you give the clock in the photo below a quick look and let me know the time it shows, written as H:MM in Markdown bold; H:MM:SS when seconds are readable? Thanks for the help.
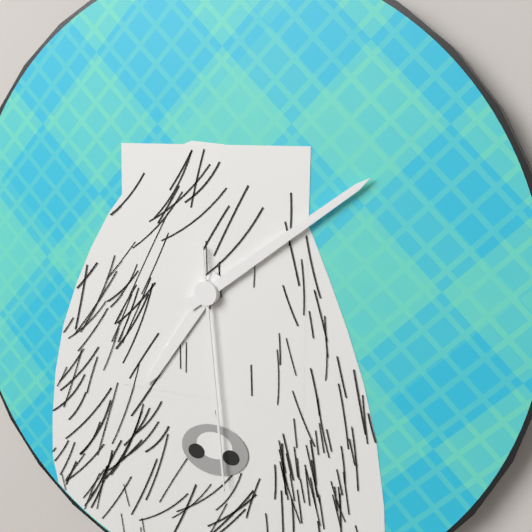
**7:09:29**
